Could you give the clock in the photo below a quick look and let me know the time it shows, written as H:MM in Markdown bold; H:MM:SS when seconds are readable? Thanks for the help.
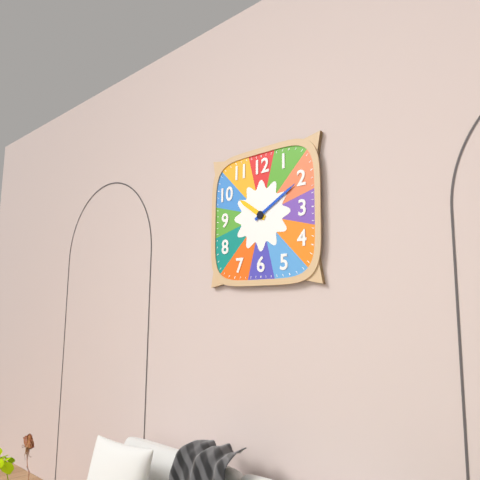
**10:10**
